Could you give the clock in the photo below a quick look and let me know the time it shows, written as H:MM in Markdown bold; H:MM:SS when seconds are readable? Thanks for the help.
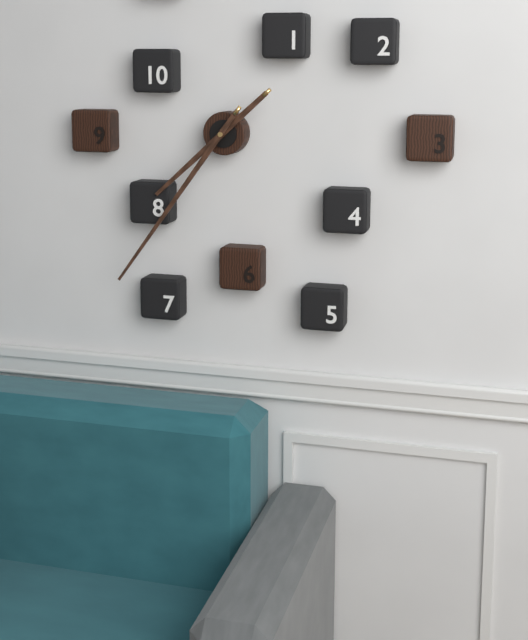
**7:36**
